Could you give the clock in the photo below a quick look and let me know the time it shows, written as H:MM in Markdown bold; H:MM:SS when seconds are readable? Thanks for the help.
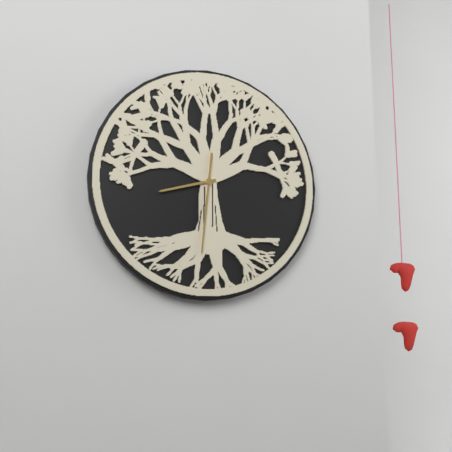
**8:31**
